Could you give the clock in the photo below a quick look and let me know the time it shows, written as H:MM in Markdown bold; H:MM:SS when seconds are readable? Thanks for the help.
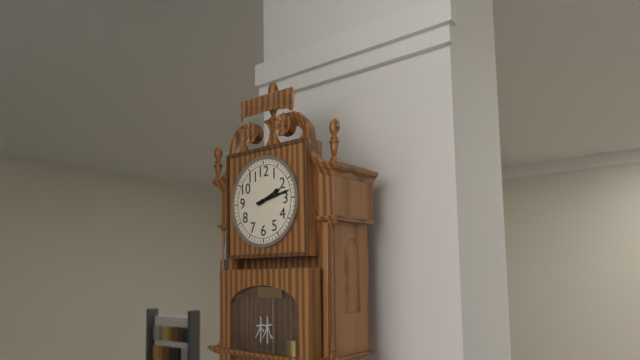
**2:13**
